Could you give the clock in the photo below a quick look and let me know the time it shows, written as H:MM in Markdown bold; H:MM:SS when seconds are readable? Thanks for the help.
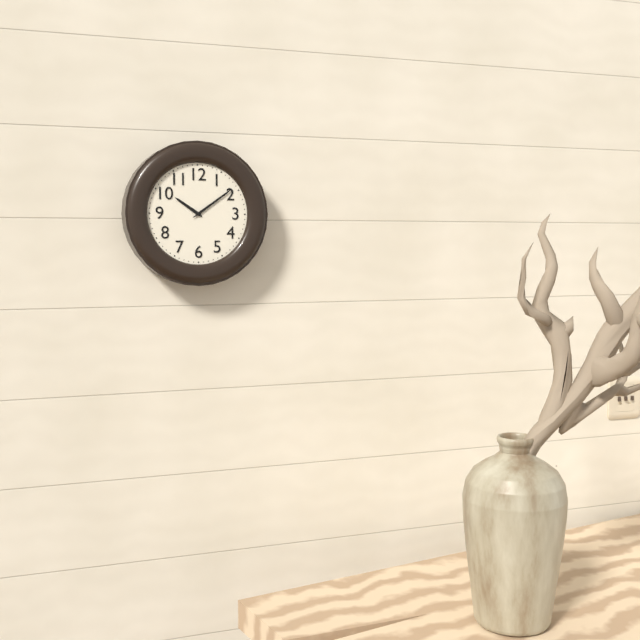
**10:09**
